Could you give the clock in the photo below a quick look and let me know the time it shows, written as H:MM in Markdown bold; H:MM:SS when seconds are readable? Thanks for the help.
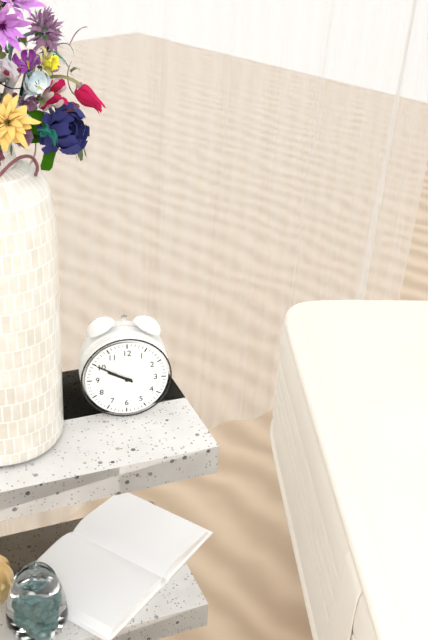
**9:50**
